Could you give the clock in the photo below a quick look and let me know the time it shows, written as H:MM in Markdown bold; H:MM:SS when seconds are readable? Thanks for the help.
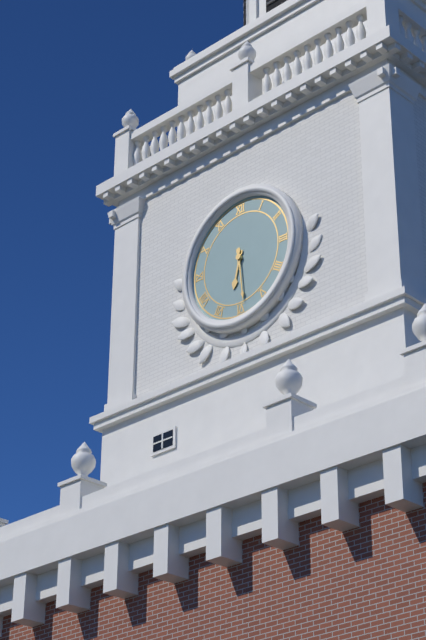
**6:29**
